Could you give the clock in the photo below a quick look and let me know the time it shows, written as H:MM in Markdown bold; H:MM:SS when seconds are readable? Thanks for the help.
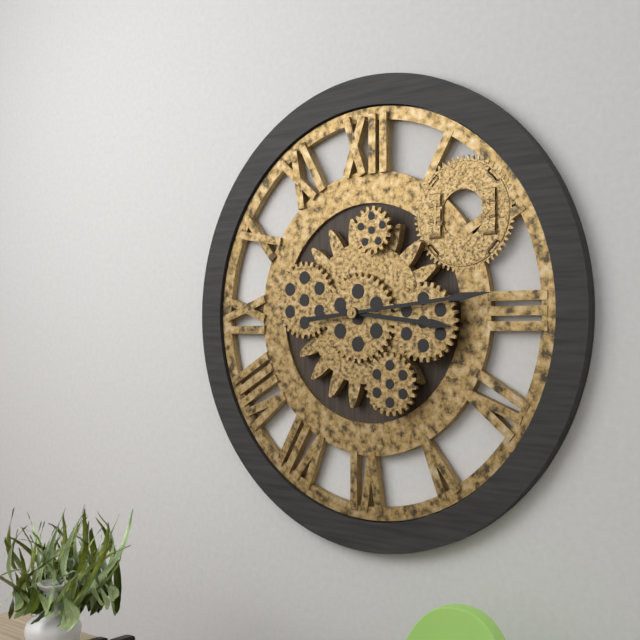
**3:14**
